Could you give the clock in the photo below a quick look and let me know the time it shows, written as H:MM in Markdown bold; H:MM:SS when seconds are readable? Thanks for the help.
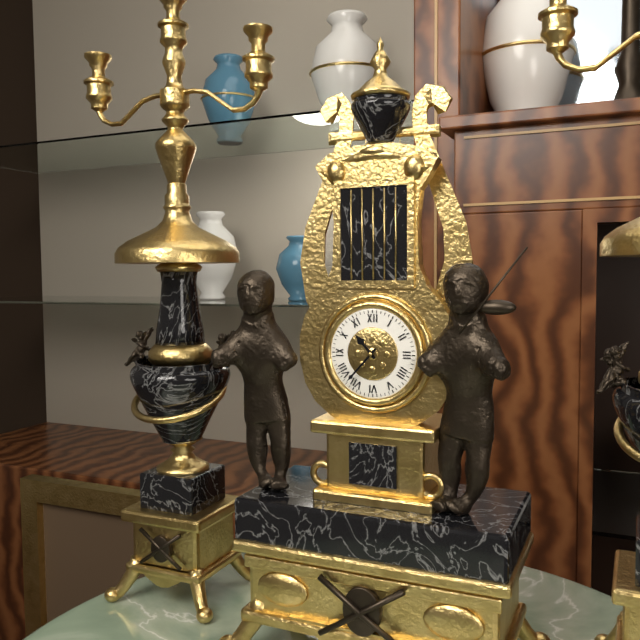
**10:37**
